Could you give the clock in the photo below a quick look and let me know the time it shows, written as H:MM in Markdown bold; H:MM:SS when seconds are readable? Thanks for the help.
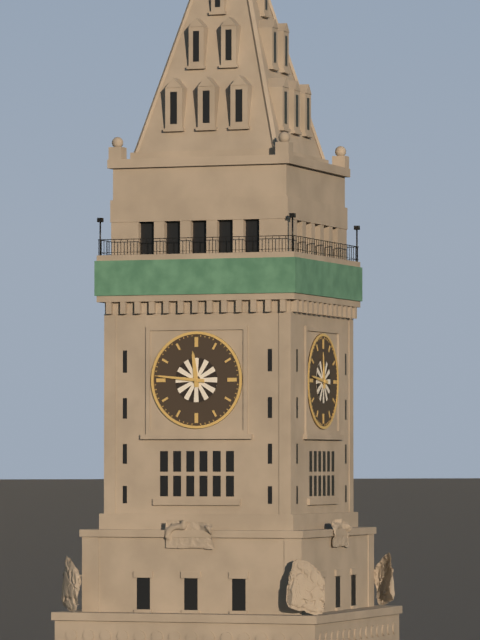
**11:46**
